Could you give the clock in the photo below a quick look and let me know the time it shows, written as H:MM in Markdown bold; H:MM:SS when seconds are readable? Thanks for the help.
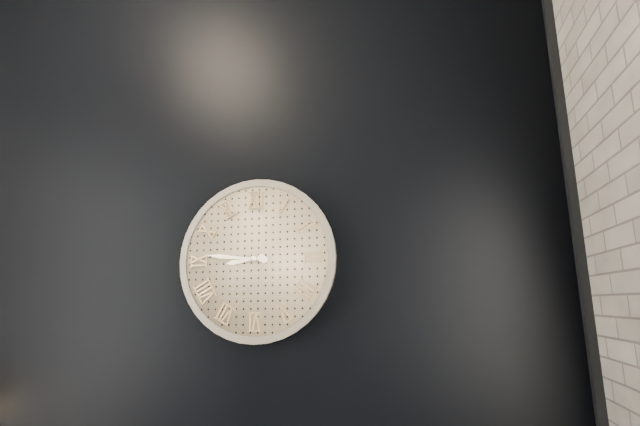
**8:46**
